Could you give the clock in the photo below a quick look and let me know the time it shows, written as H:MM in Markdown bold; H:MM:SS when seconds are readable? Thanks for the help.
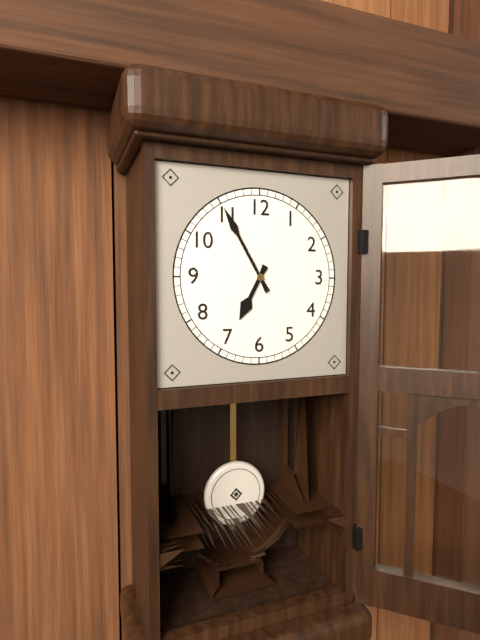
**6:55**
